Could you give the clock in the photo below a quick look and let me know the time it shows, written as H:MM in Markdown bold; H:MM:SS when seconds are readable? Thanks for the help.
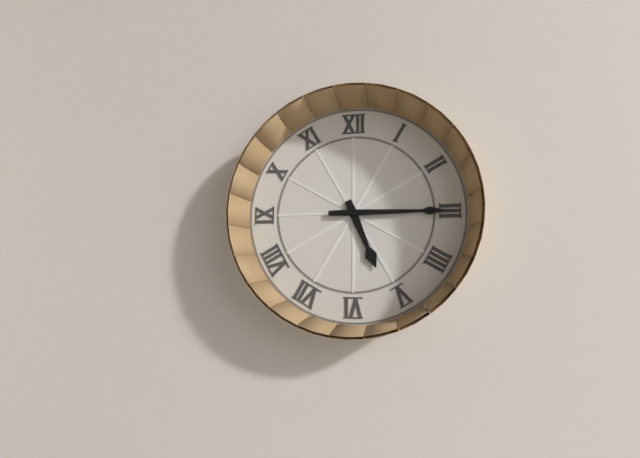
**5:15**
